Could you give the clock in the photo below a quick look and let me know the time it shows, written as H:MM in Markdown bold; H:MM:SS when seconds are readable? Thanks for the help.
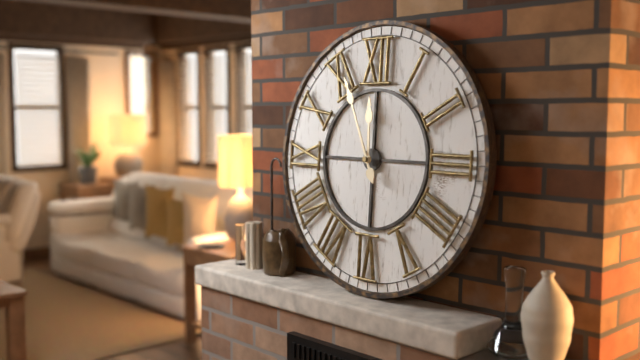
**11:56**
